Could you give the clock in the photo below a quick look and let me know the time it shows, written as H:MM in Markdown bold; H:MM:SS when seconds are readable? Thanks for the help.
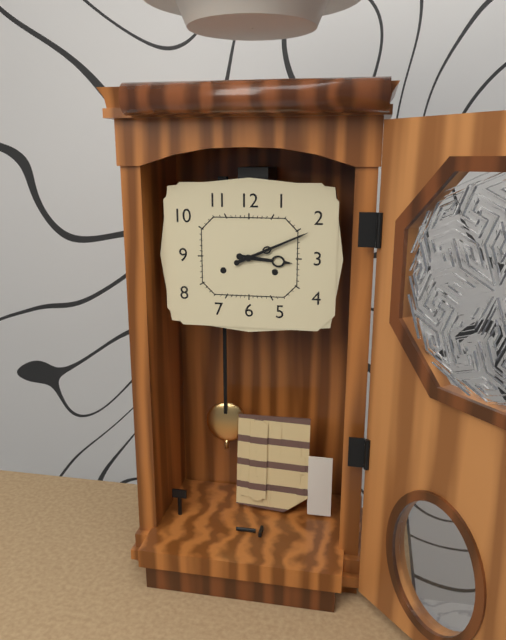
**3:11**
